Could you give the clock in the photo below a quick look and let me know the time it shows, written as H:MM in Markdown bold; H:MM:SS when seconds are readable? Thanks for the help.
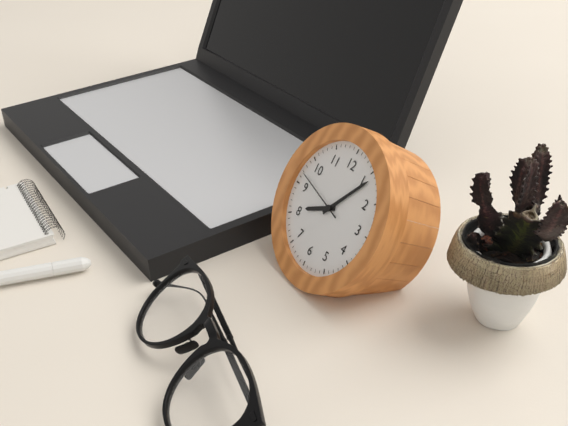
**8:06:47**
